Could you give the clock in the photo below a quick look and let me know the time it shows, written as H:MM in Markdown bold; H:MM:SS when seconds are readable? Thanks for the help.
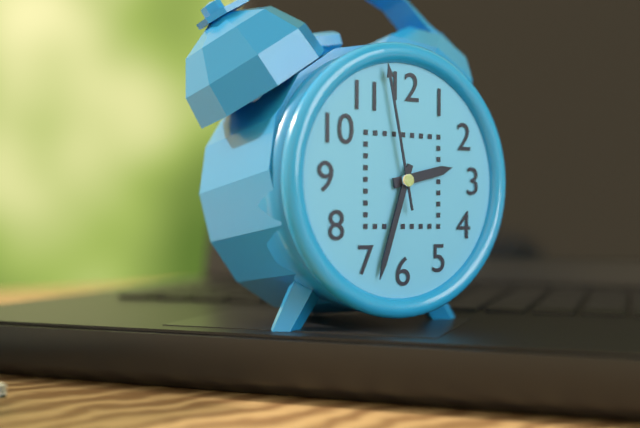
**2:33:58**
